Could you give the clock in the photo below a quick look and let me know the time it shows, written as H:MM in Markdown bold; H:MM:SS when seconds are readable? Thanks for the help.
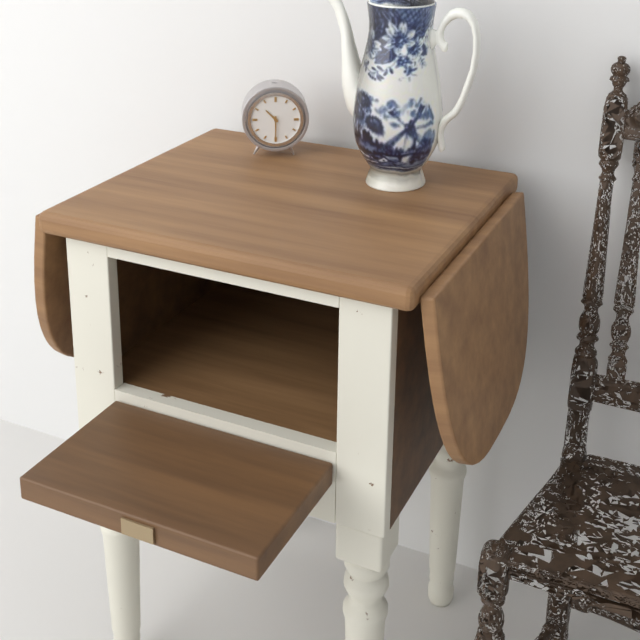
**10:30**
